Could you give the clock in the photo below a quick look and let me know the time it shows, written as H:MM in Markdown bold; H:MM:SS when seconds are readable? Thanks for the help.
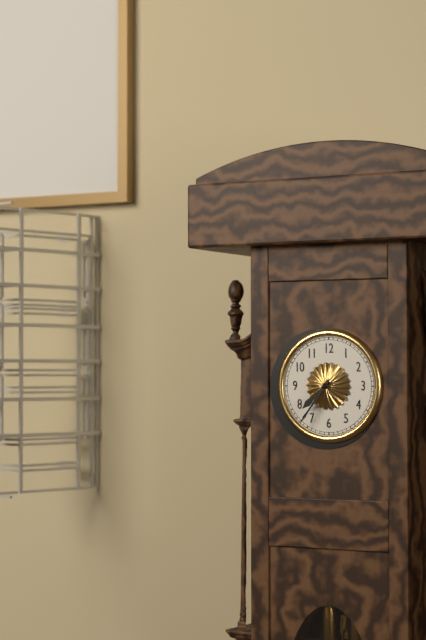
**7:36**
